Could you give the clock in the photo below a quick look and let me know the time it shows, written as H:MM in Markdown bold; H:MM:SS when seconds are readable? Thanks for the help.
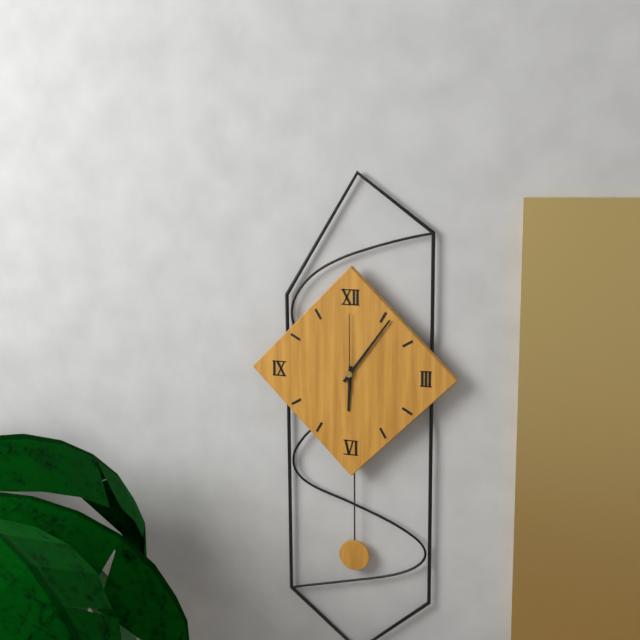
**6:06:00**
